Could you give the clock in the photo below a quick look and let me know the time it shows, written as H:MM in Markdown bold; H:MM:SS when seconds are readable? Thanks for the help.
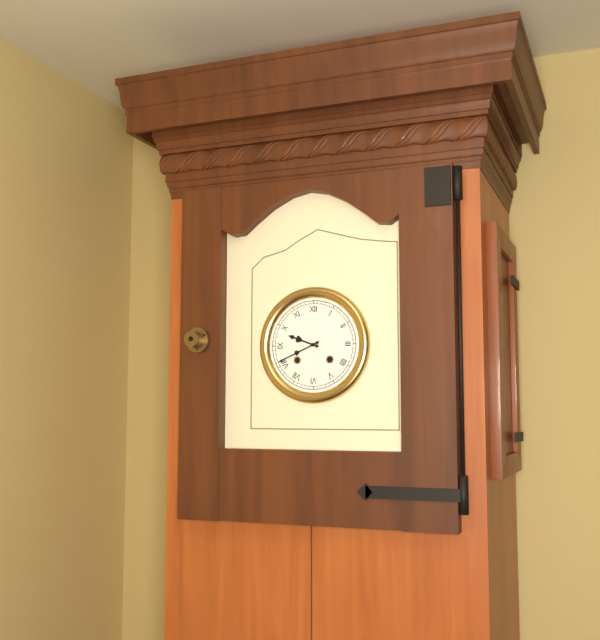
**9:41**
